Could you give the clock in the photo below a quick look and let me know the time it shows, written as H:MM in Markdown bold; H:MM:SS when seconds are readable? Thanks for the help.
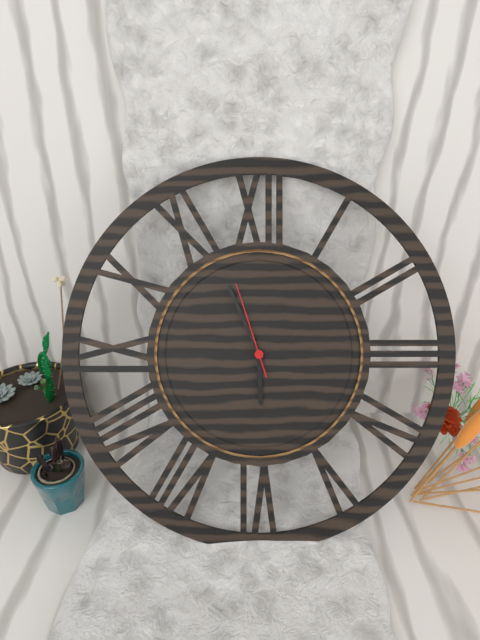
**5:56:57**
